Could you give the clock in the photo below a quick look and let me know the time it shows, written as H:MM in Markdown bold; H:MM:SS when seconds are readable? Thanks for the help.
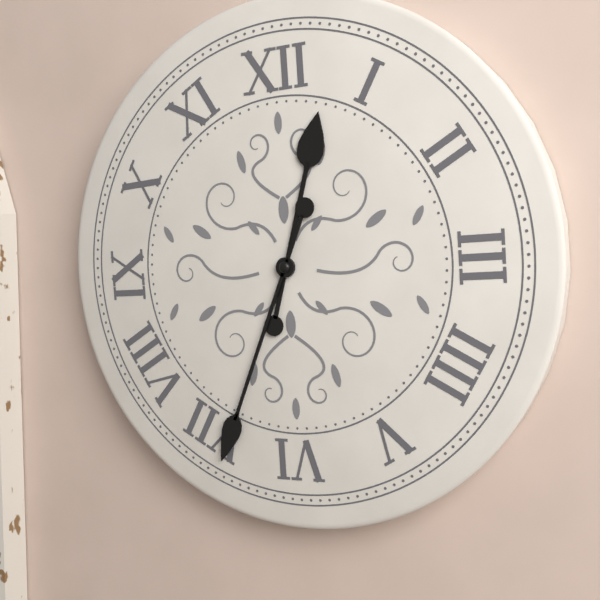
**12:34**
